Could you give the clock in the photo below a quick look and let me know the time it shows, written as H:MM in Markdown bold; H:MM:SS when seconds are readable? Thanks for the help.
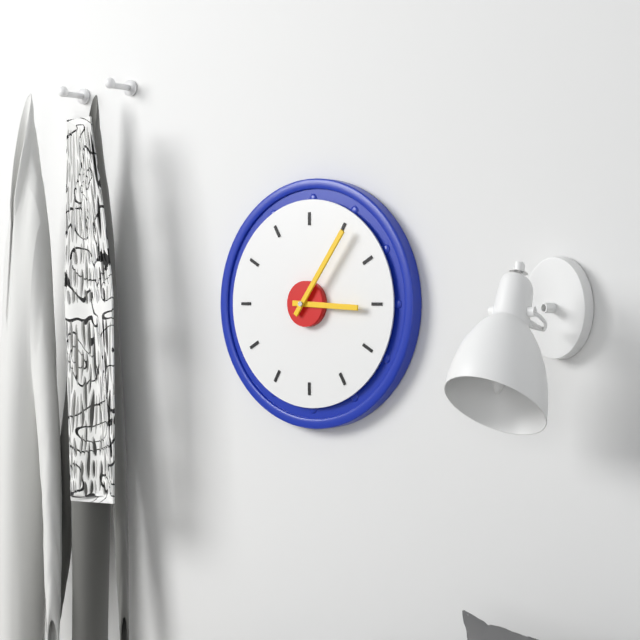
**3:06**
